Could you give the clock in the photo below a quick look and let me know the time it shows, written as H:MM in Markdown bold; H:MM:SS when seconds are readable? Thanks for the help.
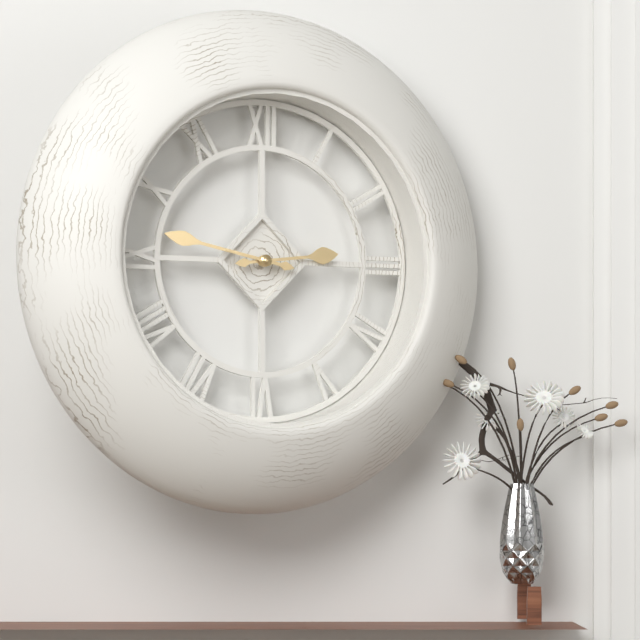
**2:47**
